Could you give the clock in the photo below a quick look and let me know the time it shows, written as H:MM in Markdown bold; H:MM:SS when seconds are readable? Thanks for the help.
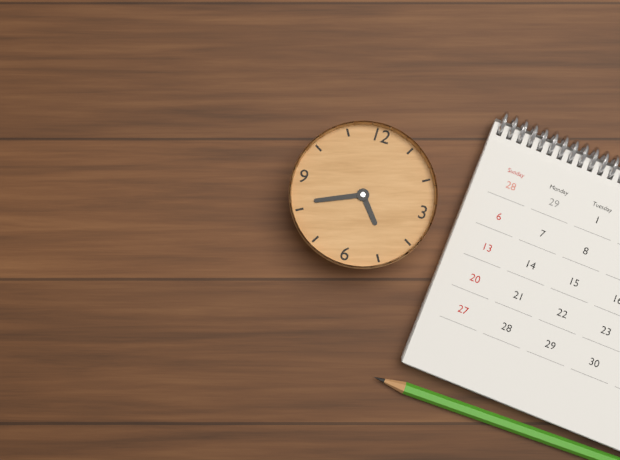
**4:41**
